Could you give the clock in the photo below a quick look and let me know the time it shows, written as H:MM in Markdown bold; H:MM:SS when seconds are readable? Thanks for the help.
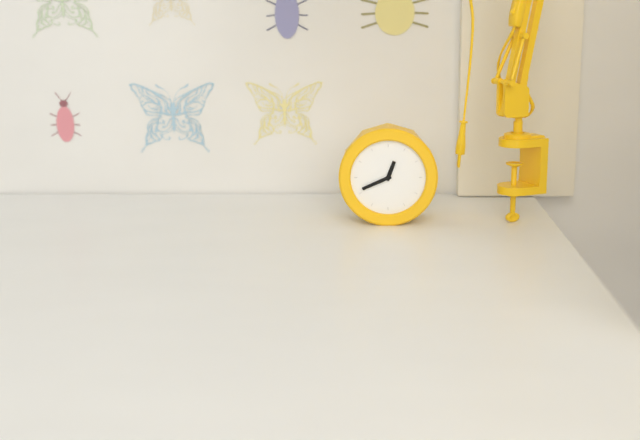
**12:41**
